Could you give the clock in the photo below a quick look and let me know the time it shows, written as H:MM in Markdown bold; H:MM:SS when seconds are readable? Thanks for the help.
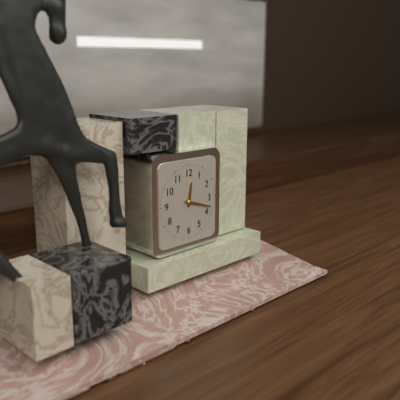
**12:18**
